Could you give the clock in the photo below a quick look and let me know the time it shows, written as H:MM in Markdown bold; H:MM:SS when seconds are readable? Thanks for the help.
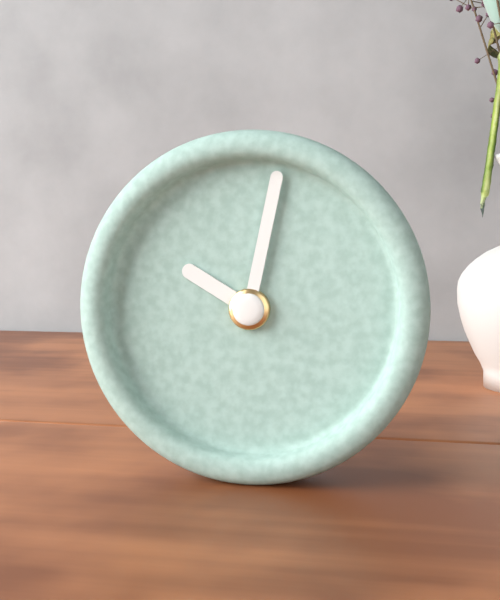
**10:02**
